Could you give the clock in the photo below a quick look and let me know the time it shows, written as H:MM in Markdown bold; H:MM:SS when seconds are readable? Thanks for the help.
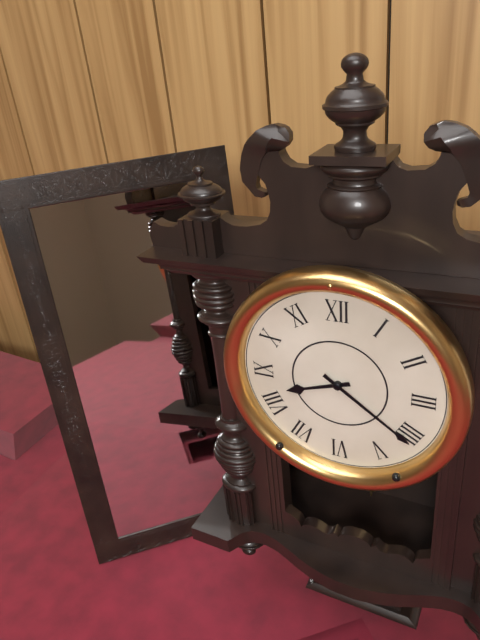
**8:21**
